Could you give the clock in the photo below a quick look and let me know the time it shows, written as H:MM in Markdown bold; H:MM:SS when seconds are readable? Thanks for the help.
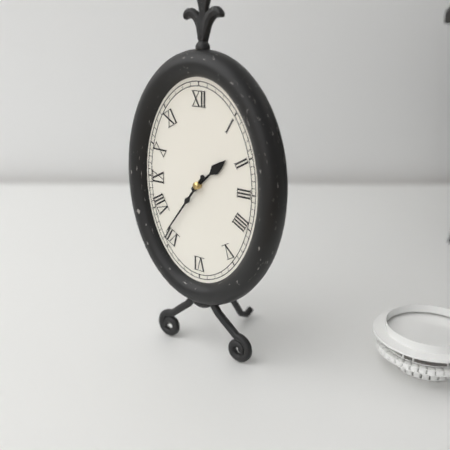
**1:36**
